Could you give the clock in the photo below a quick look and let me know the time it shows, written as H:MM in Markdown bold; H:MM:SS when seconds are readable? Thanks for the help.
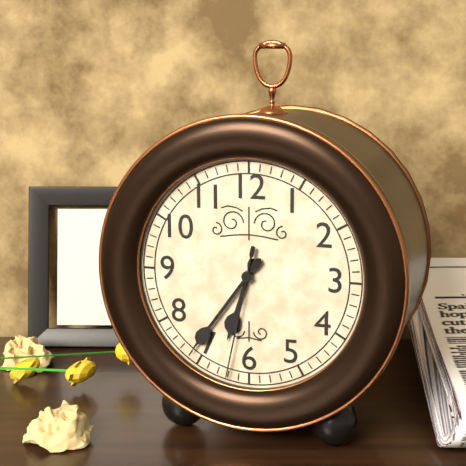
**6:36:32**
